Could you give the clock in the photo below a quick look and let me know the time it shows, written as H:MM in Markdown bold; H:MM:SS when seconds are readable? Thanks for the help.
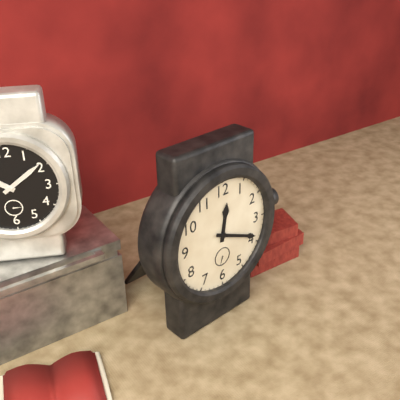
**12:19**
